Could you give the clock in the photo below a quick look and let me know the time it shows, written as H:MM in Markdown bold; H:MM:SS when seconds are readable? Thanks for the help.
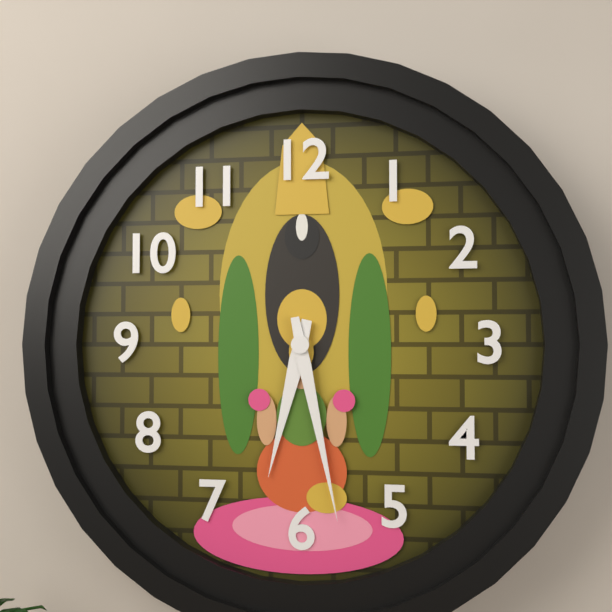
**6:28**
